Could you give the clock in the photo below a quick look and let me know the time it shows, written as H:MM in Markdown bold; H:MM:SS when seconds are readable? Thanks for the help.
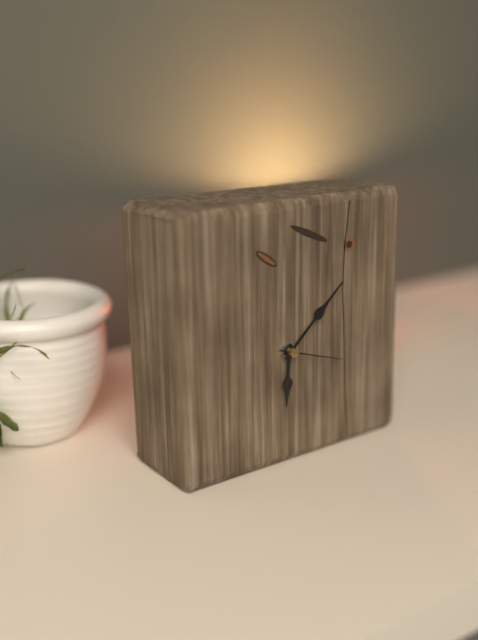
**6:08:18**
